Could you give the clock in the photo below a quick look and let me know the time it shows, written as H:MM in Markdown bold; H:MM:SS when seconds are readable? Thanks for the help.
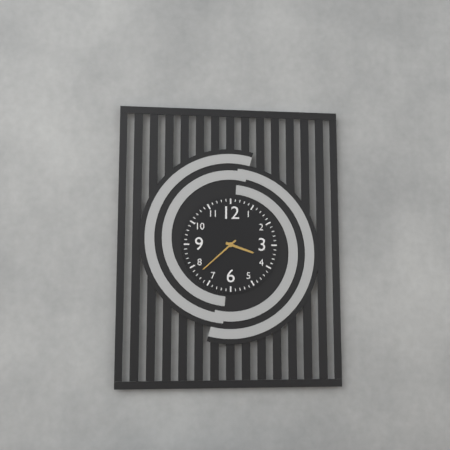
**3:38**
